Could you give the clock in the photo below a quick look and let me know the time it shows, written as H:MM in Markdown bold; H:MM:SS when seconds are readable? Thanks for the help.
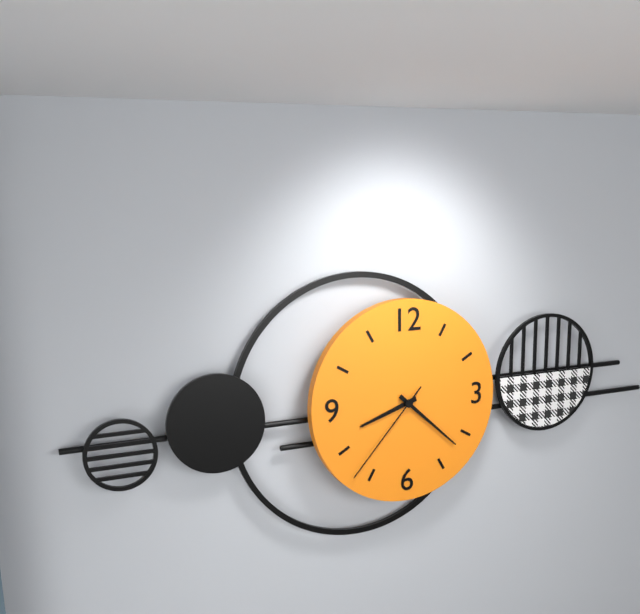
**8:22:37**
